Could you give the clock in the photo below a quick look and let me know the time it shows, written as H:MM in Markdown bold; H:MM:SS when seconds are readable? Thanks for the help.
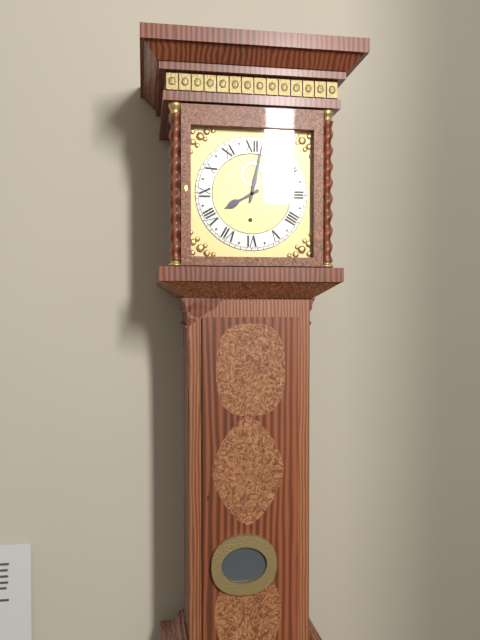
**8:02**
